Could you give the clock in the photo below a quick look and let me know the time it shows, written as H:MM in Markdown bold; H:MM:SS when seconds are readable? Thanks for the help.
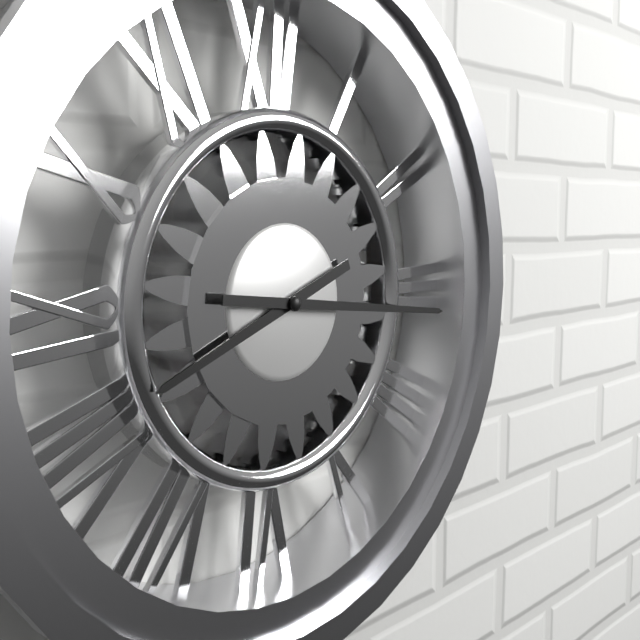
**8:16**
